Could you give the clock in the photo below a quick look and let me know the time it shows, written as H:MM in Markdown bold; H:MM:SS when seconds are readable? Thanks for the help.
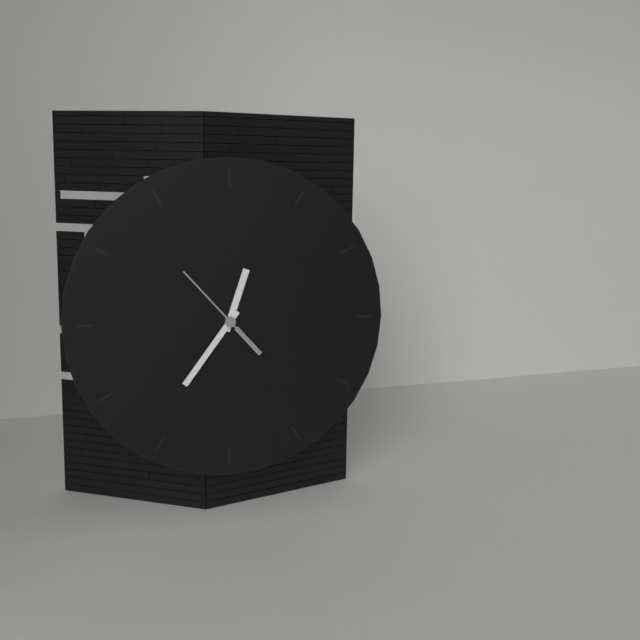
**12:36:53**
